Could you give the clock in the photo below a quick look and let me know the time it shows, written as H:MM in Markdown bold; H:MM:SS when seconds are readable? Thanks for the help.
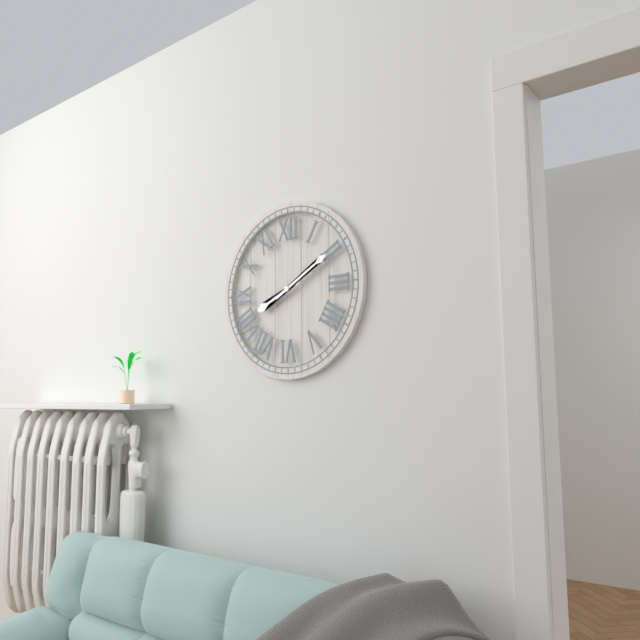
**8:10**
